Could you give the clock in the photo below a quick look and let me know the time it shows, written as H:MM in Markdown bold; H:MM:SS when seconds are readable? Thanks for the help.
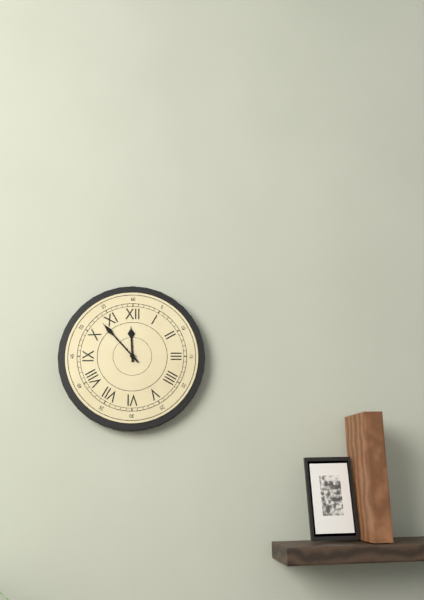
**11:53**
